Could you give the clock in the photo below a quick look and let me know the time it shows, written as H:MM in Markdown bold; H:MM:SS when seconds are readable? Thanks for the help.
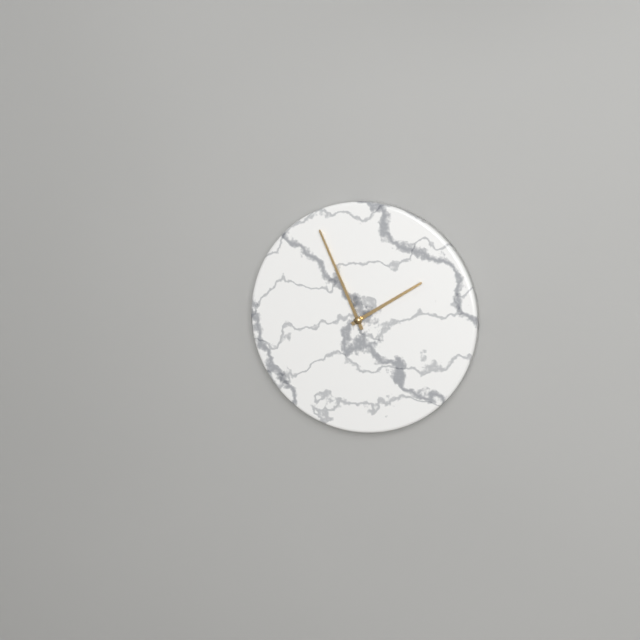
**1:56**
